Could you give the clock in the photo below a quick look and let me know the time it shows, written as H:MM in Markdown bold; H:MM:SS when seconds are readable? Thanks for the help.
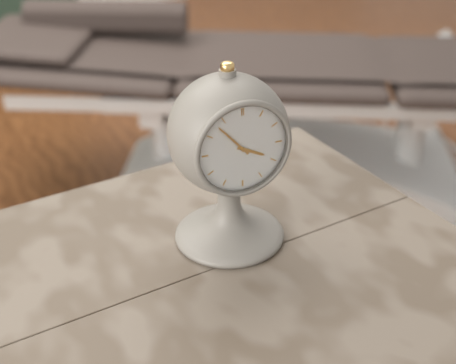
**3:53**
